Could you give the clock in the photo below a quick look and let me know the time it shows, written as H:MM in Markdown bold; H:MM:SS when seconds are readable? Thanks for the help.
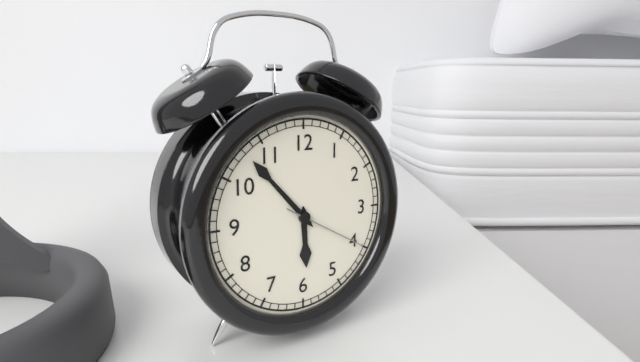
**5:53:20**
